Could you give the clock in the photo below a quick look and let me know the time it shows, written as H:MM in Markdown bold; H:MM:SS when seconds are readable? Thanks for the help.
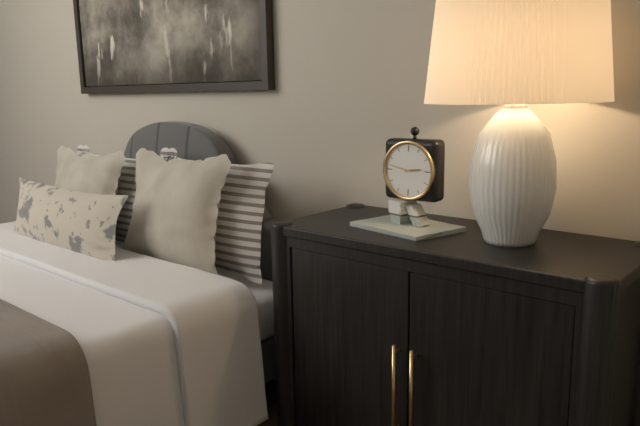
**2:47**
